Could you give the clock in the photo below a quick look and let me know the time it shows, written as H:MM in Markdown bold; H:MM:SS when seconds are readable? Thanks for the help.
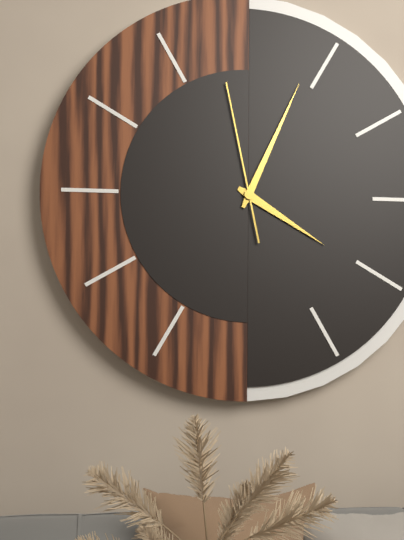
**4:04:58**
